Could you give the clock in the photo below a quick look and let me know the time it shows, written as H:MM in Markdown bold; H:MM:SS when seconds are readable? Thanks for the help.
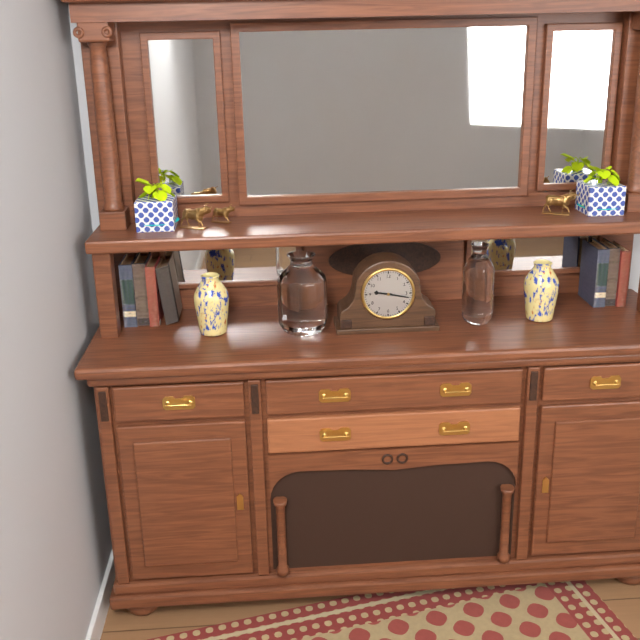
**9:17**
